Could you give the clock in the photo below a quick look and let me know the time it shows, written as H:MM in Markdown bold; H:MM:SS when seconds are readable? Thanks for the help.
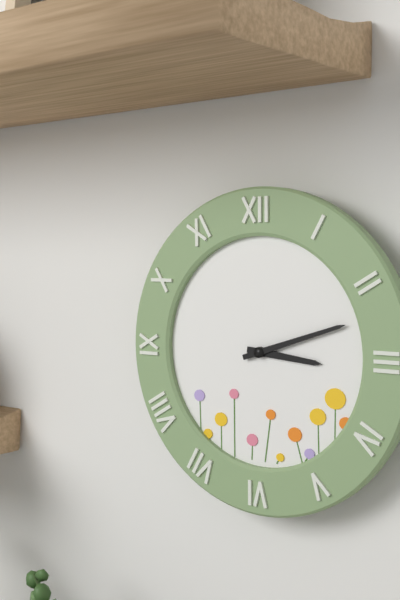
**3:12**
